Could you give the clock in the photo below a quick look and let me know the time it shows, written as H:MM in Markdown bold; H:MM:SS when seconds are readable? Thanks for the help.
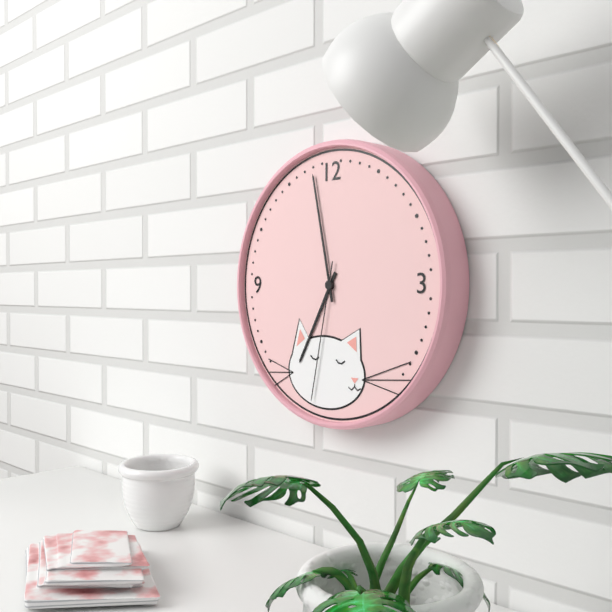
**6:58:32**
